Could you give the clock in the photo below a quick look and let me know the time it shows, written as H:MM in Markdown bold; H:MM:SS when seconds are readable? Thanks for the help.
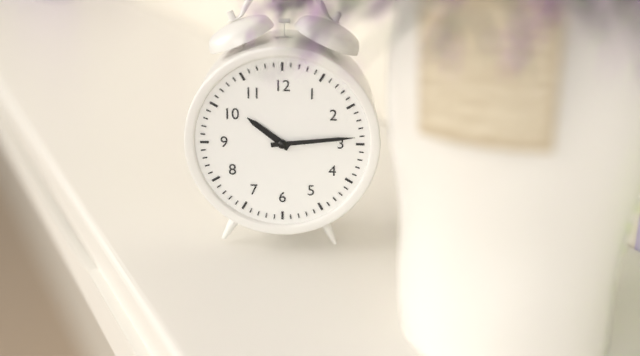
**10:14**
